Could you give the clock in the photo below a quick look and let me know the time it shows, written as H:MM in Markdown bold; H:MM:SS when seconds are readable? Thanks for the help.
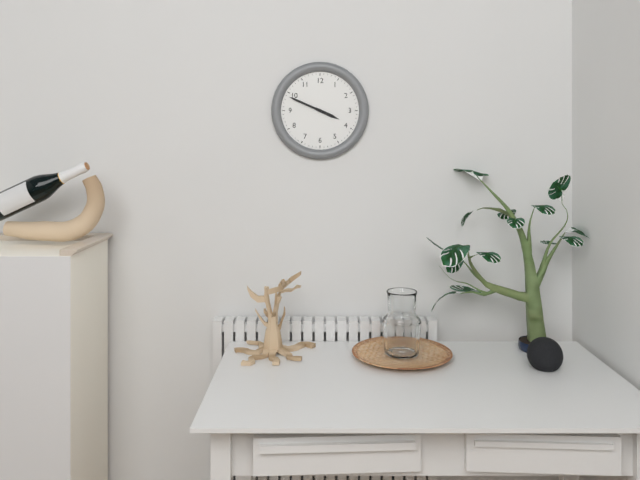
**3:49**
